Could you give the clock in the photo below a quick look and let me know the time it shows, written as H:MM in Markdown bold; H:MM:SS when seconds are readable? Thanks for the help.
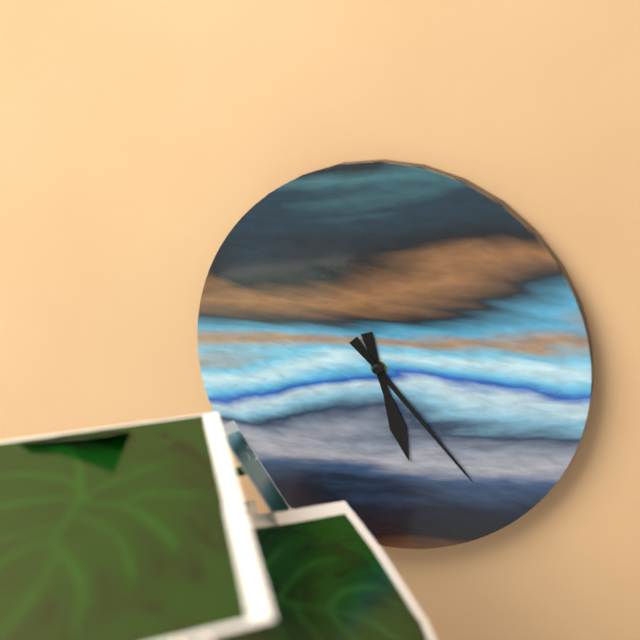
**5:23**
